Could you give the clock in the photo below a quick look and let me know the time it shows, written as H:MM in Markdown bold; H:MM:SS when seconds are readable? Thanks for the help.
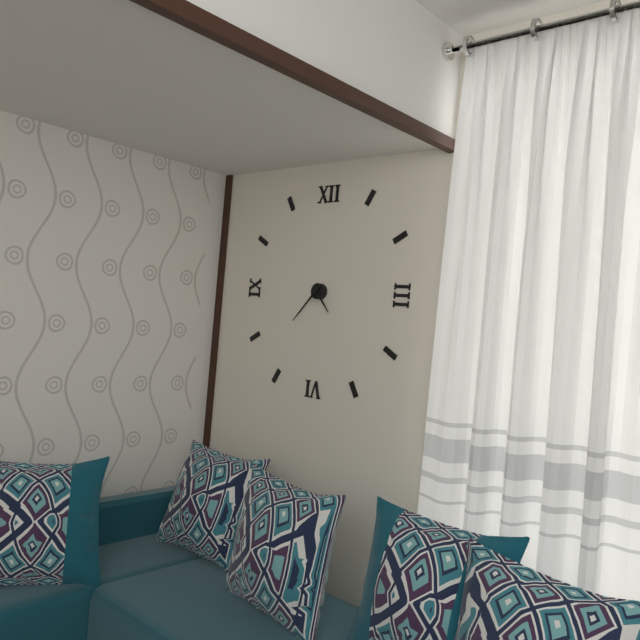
**4:37**
